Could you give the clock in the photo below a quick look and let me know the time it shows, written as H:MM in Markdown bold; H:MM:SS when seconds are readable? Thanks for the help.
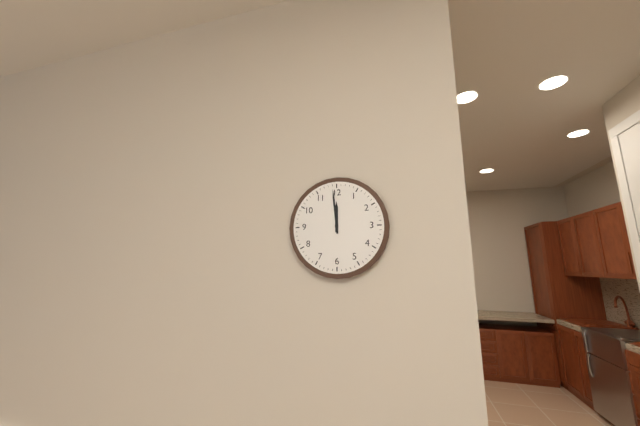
**11:59**
